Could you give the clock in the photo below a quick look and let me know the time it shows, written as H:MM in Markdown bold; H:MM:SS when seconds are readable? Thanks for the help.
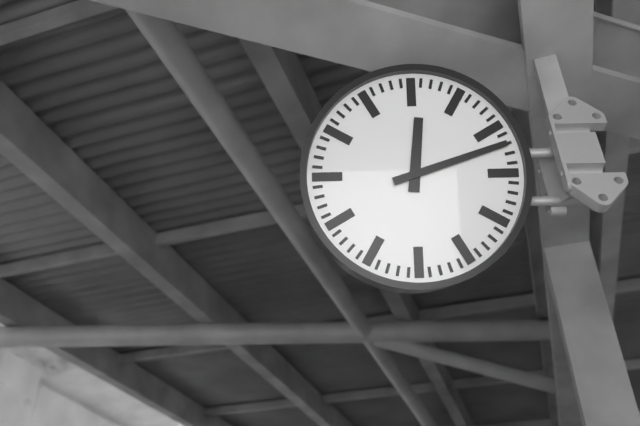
**12:12**
